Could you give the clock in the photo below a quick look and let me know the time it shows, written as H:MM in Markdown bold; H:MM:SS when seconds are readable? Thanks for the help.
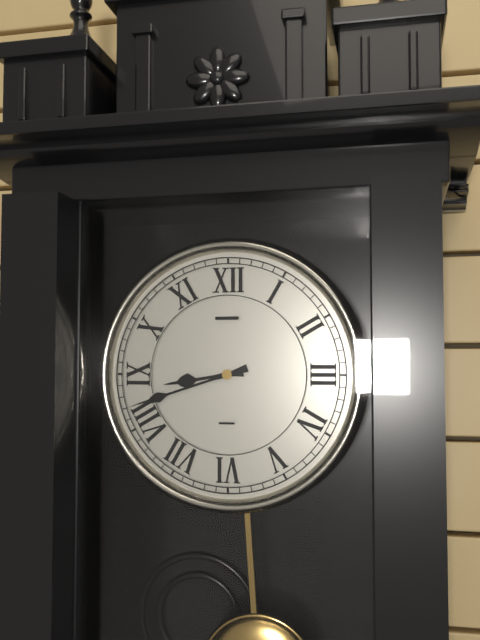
**8:42**
